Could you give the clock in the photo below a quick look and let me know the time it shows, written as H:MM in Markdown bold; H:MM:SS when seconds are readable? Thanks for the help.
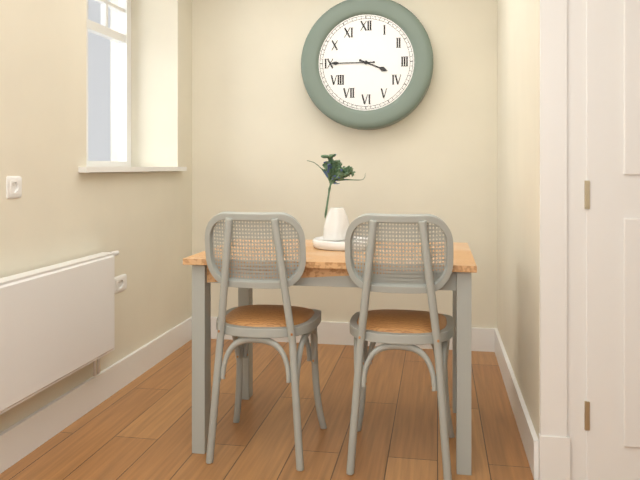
**3:45**
